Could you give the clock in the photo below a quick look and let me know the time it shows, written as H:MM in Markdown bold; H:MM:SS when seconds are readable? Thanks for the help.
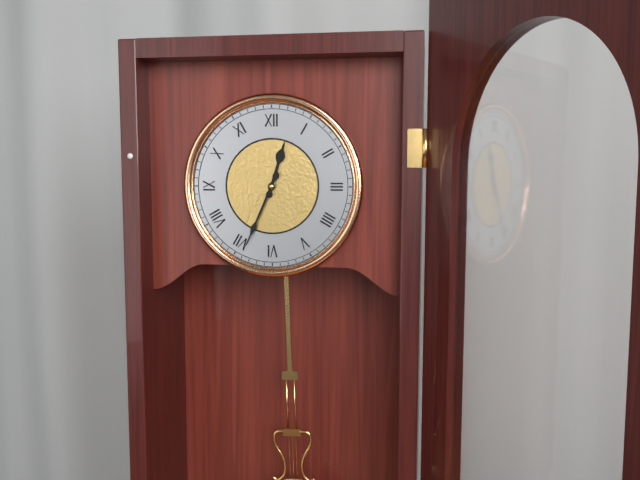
**12:34**
